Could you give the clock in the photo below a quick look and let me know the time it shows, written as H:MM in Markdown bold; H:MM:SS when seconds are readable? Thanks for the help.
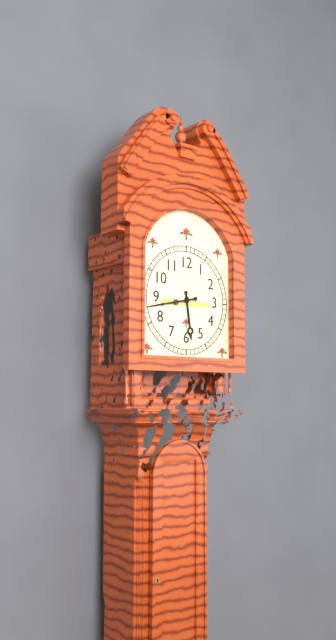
**5:43**
